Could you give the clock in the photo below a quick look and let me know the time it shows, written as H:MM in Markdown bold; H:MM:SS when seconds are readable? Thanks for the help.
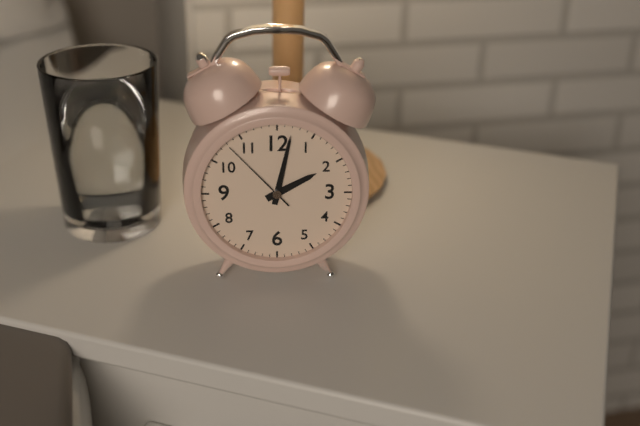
**2:02:53**
